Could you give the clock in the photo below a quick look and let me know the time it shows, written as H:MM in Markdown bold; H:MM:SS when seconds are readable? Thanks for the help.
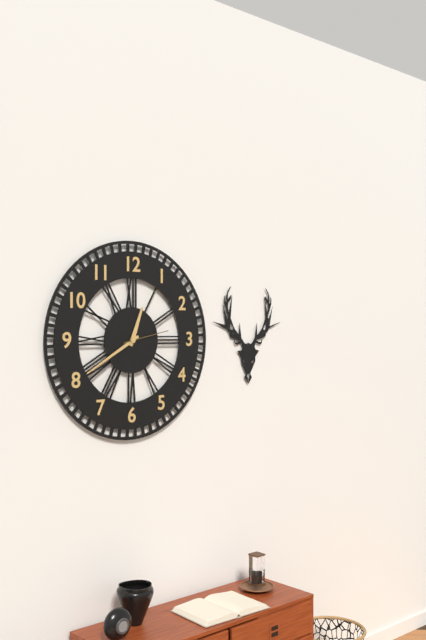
**12:40:13**
